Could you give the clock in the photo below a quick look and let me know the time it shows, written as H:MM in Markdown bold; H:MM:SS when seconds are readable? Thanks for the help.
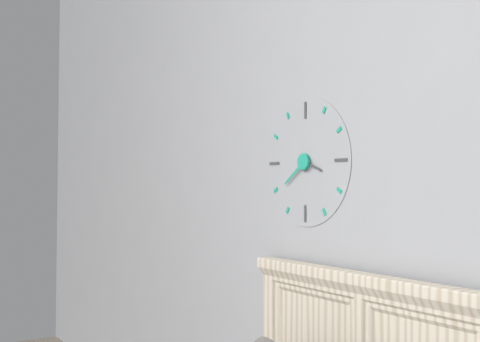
**3:39**
